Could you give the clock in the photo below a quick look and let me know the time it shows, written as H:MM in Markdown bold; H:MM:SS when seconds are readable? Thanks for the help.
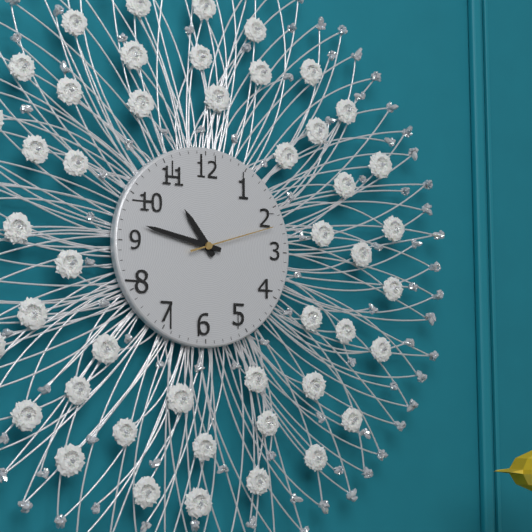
**10:47:12**
